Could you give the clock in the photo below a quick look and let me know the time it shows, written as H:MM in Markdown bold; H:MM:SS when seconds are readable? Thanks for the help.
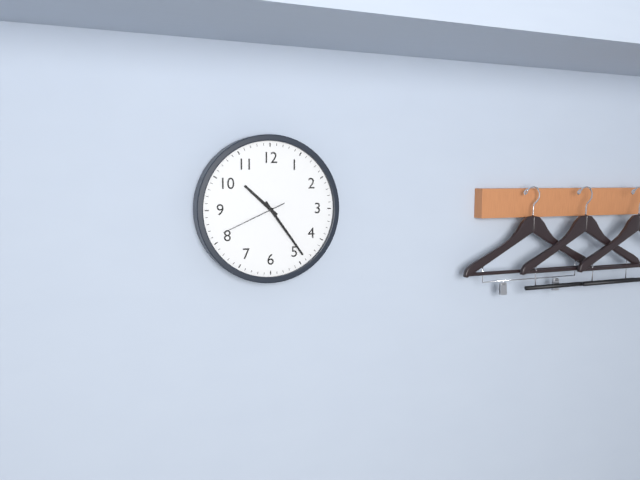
**10:24:41**
